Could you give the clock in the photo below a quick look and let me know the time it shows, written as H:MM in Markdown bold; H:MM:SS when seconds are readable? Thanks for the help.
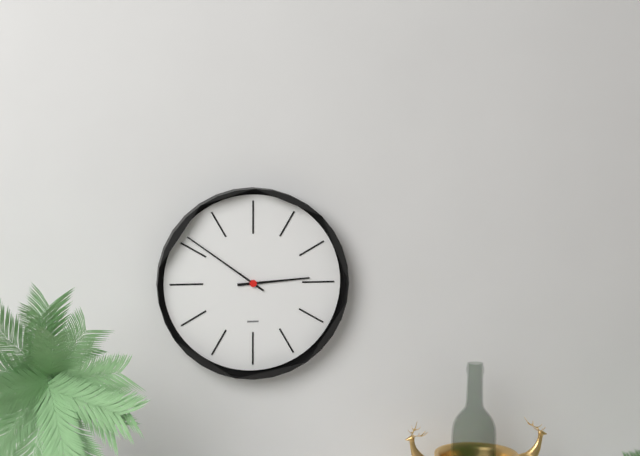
**2:51**
